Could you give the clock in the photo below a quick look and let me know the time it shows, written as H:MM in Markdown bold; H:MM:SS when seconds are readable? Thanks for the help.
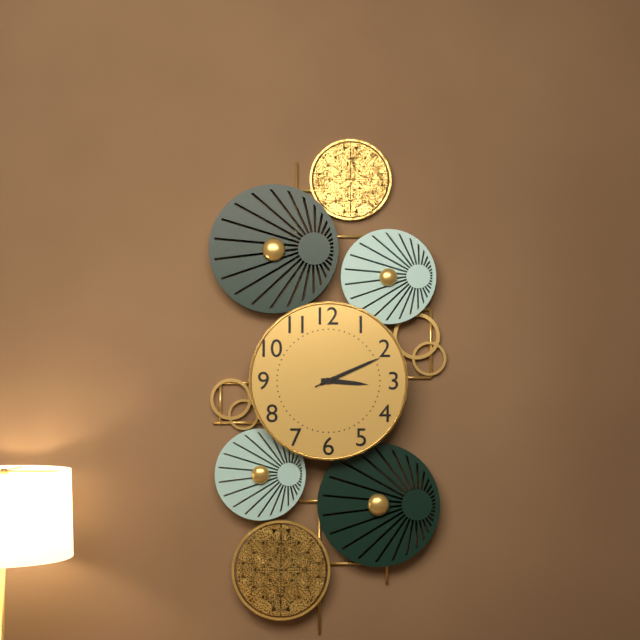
**3:11:11**
